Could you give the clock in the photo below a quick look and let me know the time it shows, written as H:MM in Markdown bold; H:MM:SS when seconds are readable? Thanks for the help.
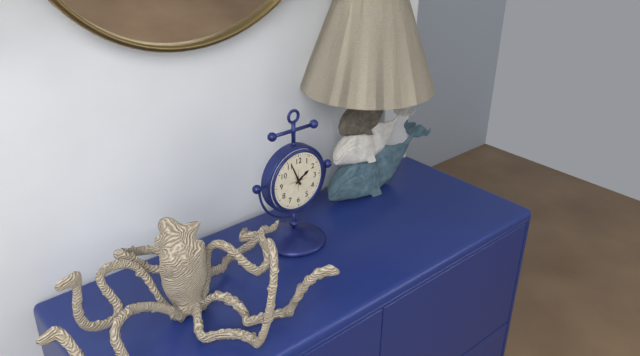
**1:56**
